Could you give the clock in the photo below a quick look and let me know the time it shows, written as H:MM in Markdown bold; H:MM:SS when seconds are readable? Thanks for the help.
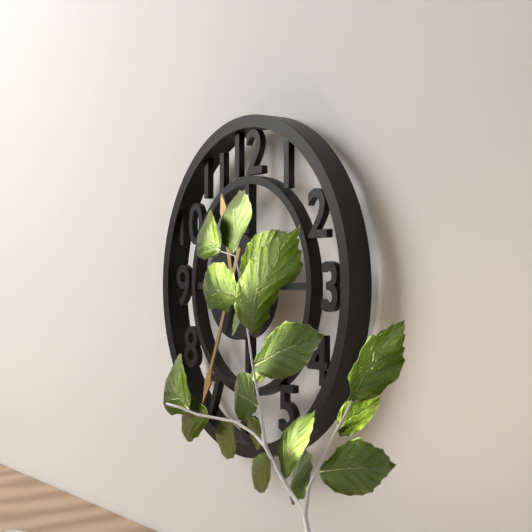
**11:34**
